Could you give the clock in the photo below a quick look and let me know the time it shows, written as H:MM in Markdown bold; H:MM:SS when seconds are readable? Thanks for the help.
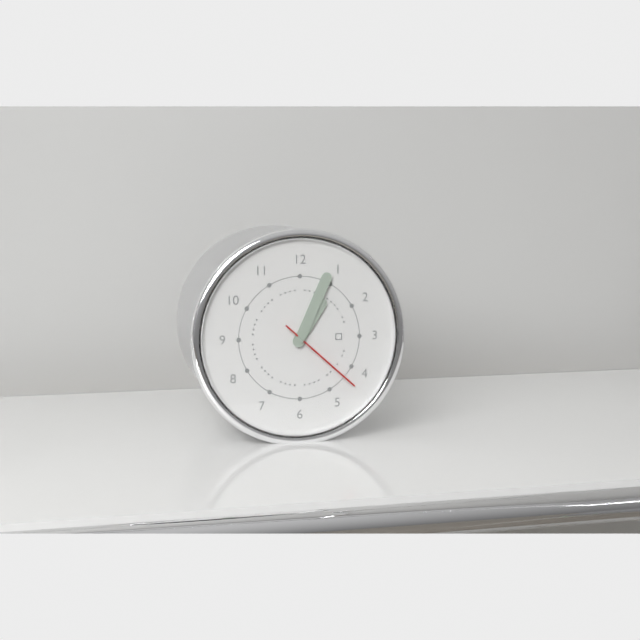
**1:04:22**
